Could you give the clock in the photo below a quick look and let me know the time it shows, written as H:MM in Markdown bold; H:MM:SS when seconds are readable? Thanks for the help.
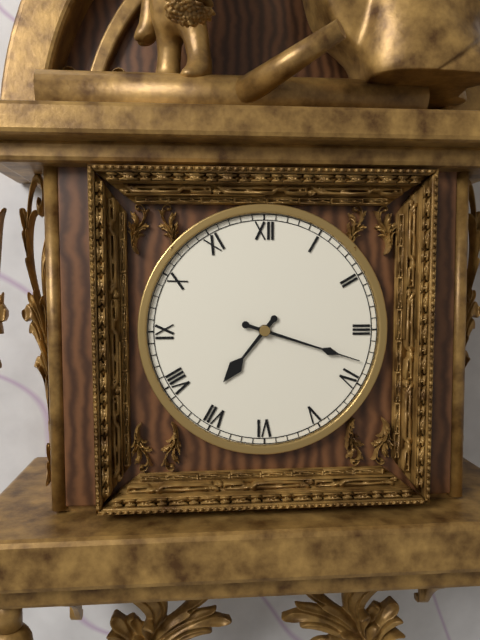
**7:18**
